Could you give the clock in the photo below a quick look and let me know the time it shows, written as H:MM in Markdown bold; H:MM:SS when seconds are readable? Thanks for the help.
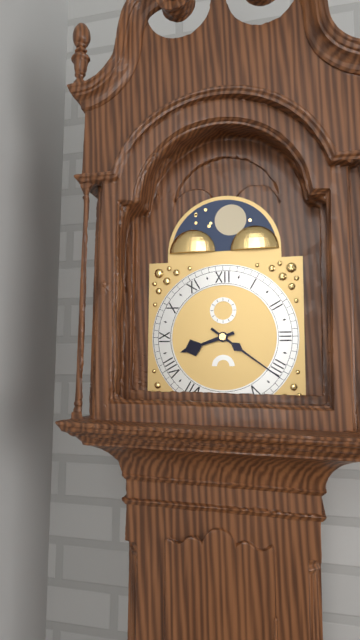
**8:21**
